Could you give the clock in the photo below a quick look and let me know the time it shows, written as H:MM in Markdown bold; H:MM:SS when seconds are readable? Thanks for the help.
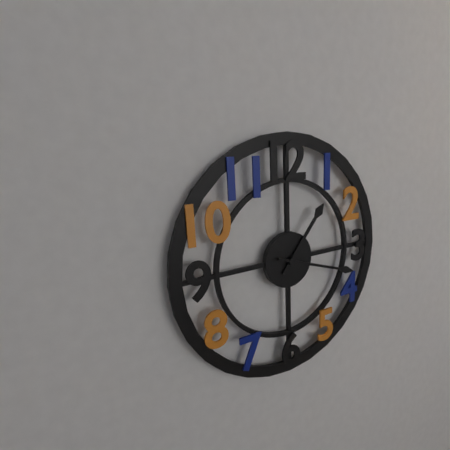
**1:18**
